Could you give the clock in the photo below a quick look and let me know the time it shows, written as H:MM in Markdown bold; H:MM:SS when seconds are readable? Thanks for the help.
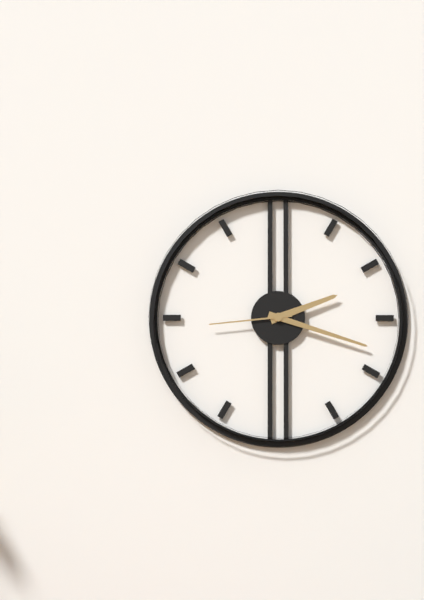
**2:18:44**
